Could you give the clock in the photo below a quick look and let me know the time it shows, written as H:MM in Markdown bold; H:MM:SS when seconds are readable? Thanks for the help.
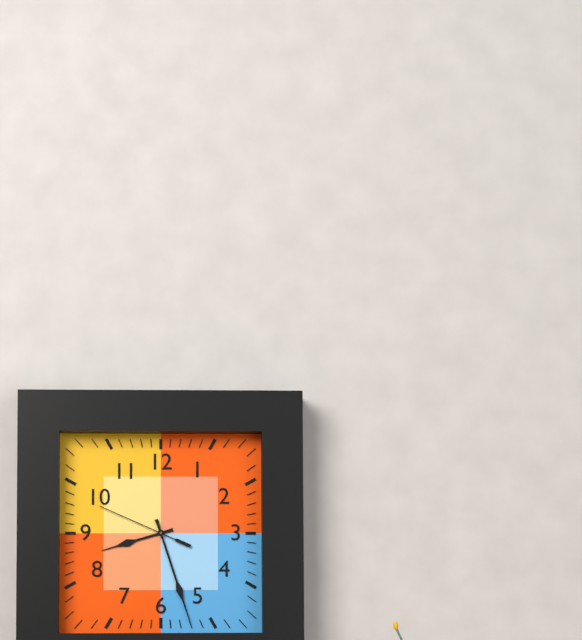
**8:27:49**
